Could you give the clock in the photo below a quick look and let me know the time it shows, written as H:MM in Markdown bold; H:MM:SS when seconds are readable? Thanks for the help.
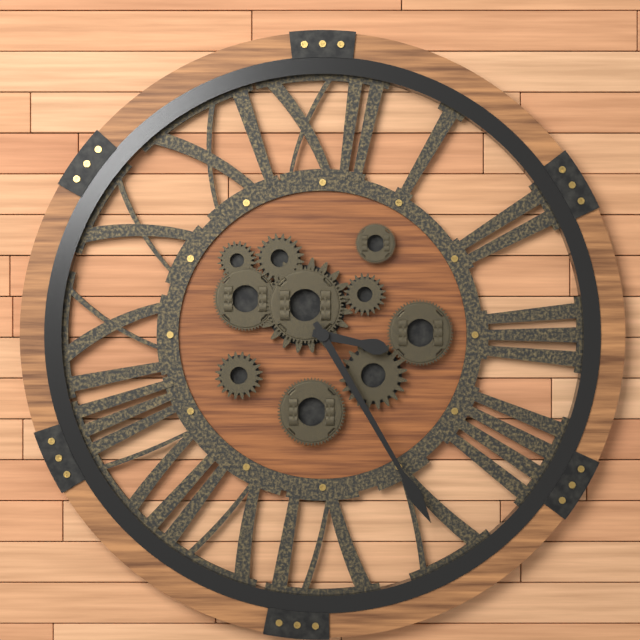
**3:25**
